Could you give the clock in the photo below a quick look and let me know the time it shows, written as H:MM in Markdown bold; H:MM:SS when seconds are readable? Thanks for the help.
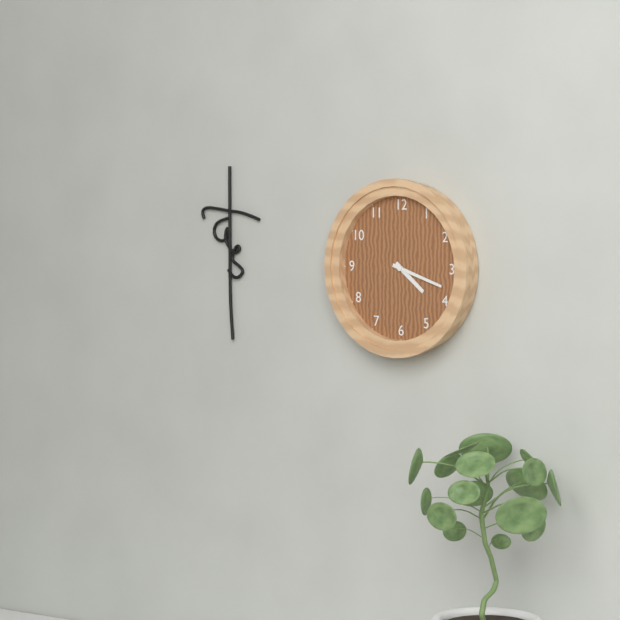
**4:18**
